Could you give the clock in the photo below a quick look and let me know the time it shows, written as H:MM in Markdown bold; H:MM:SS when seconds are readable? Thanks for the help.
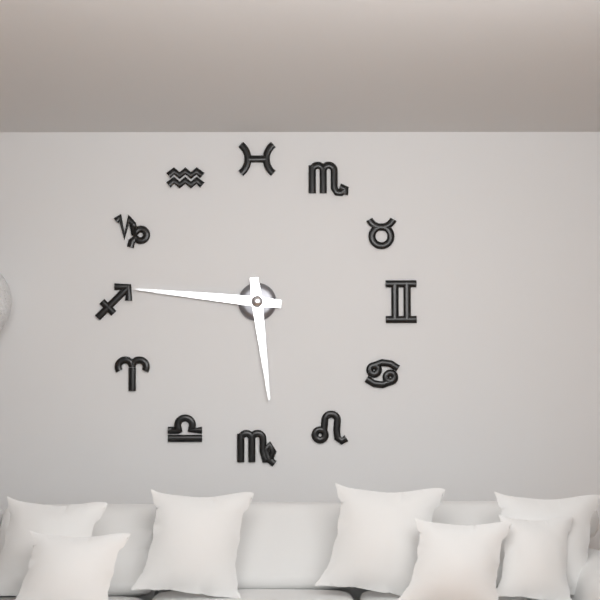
**5:46**
